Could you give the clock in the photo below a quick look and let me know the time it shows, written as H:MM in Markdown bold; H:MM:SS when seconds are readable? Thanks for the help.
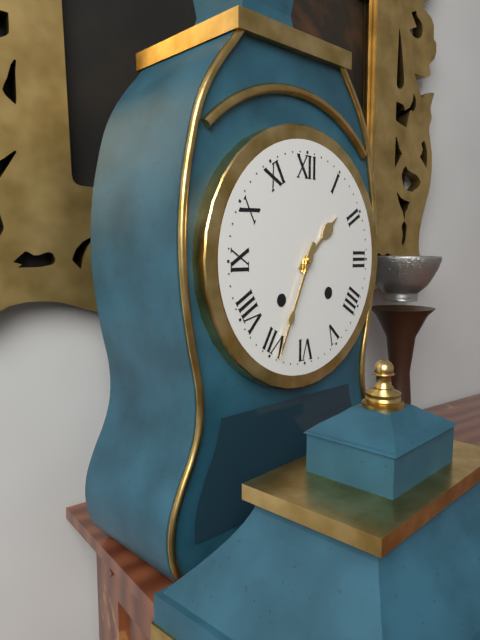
**1:34**
